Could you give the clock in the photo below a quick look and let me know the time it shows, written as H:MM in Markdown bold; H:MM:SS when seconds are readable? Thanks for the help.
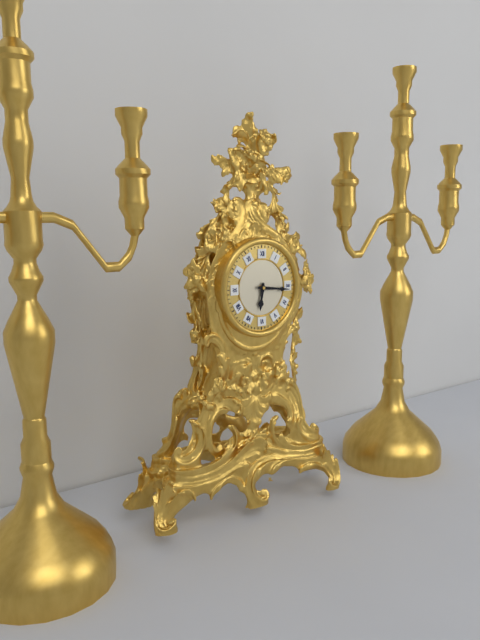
**6:16**
